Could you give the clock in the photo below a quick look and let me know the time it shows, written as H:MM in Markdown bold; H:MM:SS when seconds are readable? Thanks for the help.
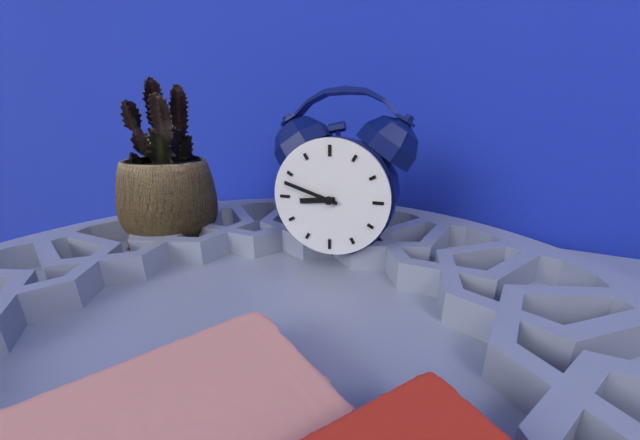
**8:48**
